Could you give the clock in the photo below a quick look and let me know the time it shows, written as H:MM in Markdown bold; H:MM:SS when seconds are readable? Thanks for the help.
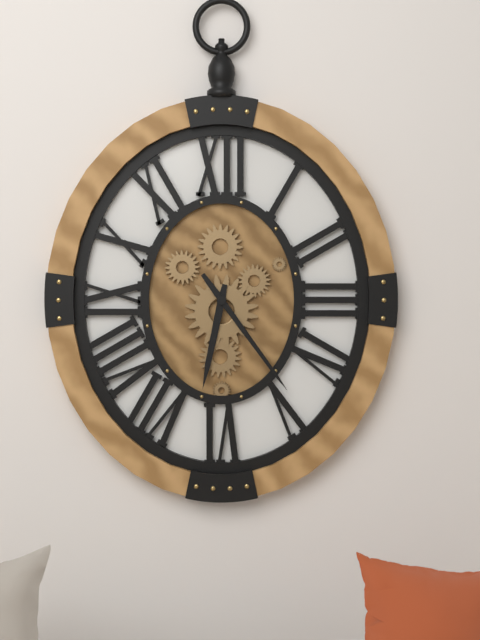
**6:24**
